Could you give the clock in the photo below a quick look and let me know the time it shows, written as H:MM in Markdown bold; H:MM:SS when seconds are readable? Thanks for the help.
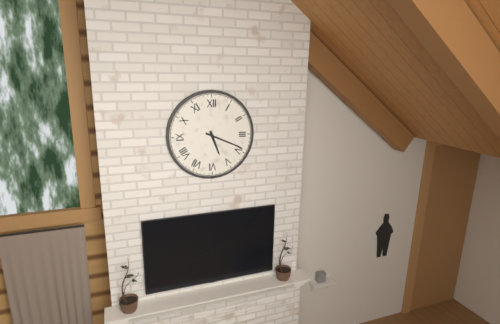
**5:19**
